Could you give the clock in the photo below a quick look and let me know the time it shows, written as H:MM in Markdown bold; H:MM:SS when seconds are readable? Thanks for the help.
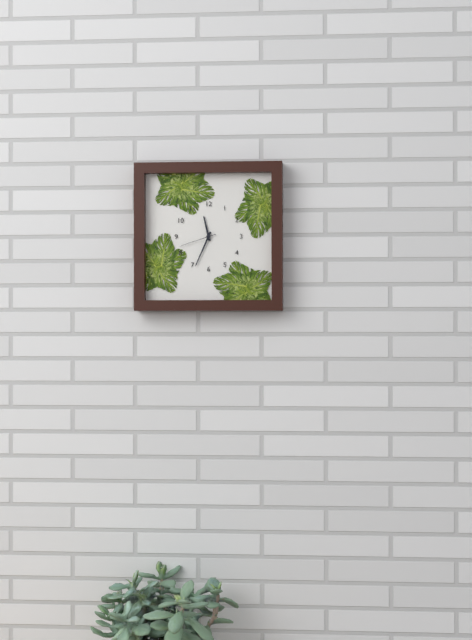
**11:34**
